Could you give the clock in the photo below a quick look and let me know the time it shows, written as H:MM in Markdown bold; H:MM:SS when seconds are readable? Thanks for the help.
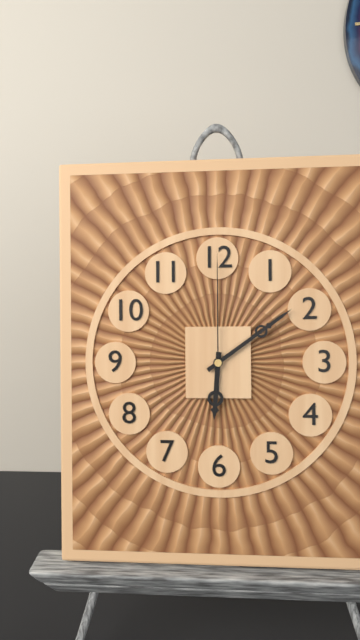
**6:09:00**
